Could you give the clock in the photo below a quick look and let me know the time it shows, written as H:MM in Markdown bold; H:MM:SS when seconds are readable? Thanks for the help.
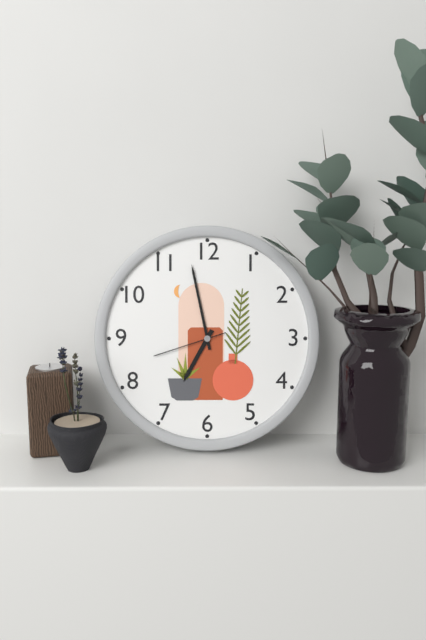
**6:58:42**
